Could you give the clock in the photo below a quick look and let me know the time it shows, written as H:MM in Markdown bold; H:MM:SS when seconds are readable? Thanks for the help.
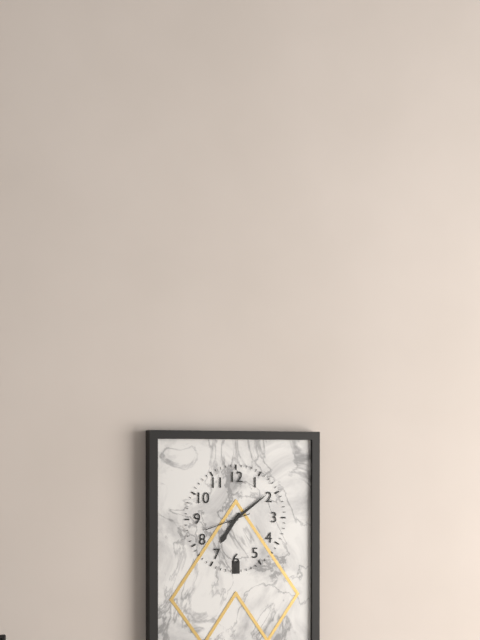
**7:09**
